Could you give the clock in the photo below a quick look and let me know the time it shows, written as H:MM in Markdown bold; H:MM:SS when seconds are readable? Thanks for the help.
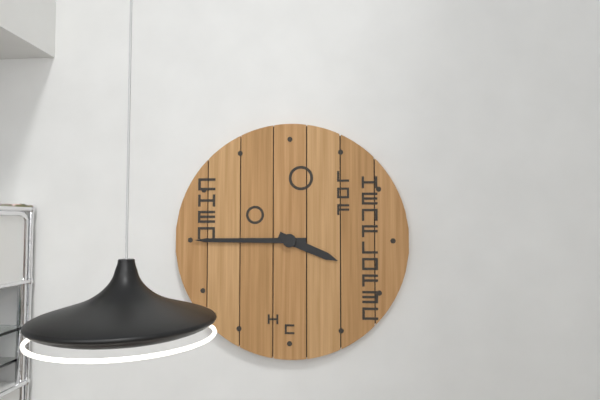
**3:45**
